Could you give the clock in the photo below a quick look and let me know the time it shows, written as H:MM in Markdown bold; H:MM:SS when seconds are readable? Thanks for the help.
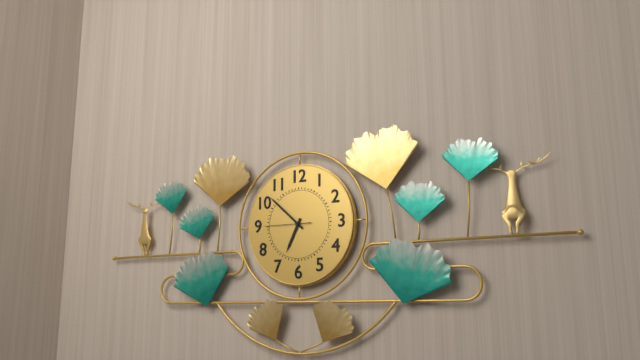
**6:52**
